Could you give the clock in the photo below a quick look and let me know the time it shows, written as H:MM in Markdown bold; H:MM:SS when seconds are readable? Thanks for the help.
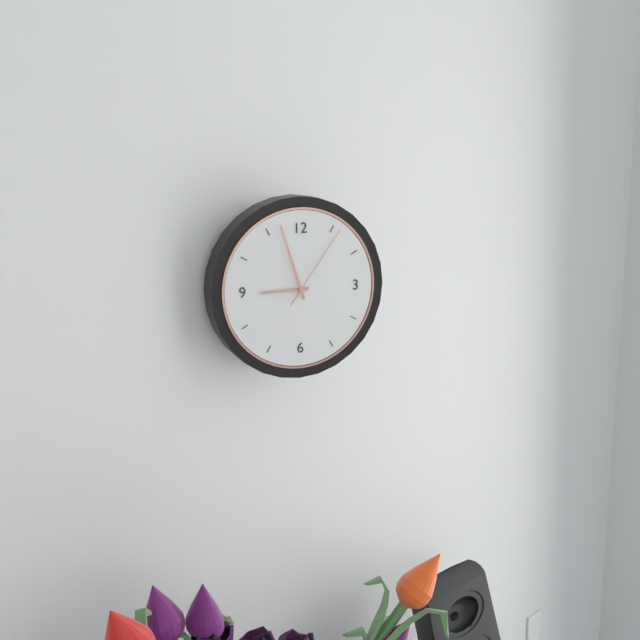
**8:57:06**
